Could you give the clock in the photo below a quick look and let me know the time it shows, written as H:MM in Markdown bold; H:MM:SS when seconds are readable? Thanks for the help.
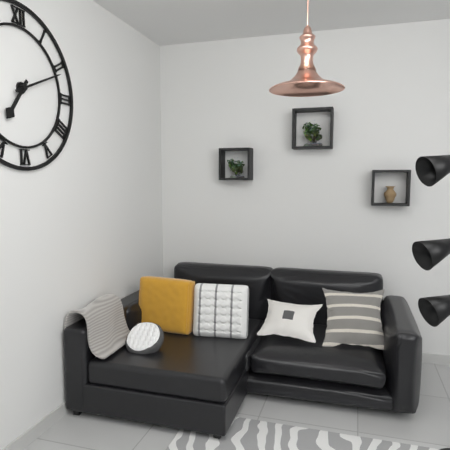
**7:11**
